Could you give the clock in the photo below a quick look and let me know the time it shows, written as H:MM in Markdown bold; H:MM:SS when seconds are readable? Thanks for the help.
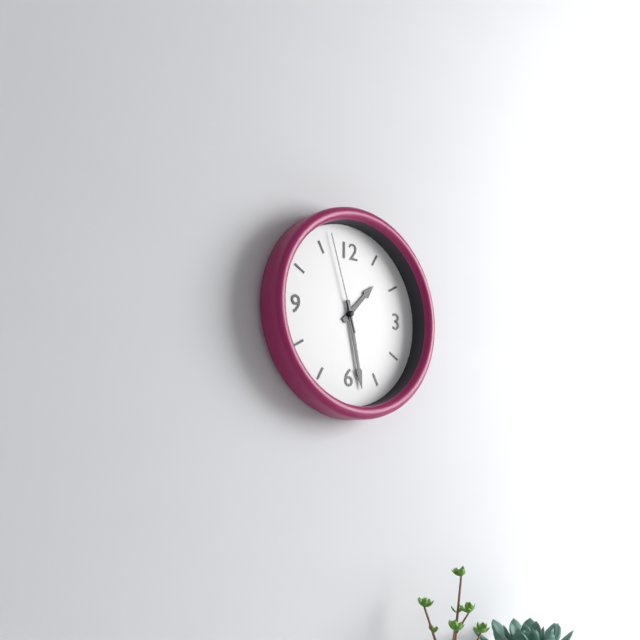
**1:28:57**
